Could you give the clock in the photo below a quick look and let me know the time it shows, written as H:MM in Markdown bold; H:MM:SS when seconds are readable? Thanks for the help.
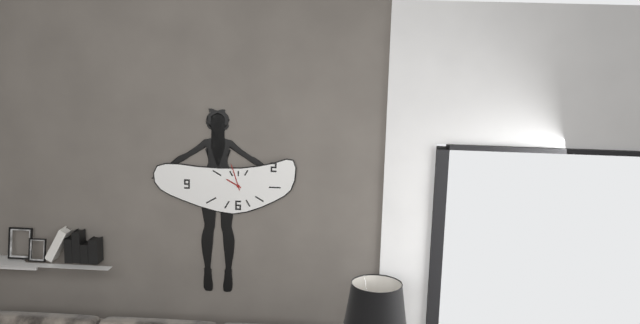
**9:57**
